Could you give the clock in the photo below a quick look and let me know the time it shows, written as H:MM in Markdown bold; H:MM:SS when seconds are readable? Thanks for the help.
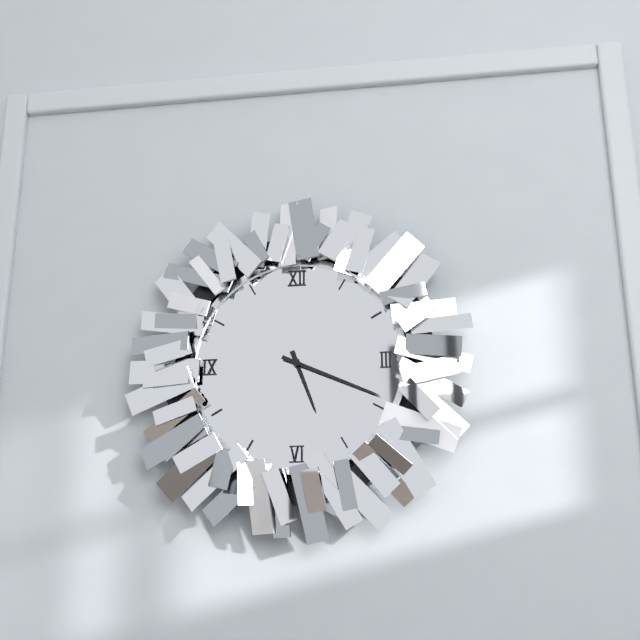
**5:19**
